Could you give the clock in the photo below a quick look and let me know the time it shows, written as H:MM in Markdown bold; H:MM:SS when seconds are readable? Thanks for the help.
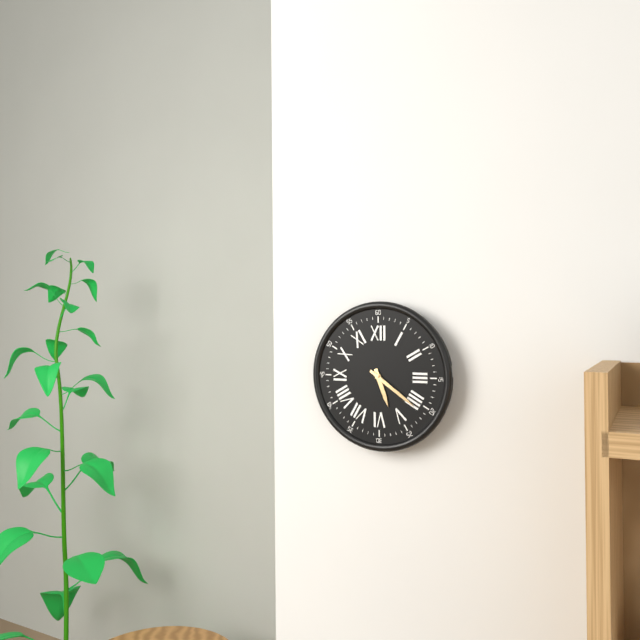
**5:21**
